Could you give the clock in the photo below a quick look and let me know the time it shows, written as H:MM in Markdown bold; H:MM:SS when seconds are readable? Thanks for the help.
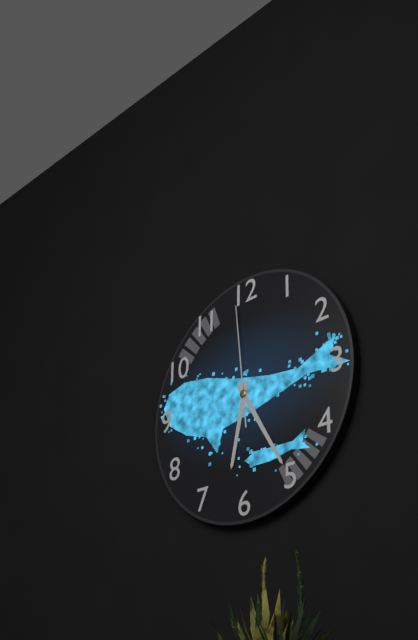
**6:25:59**
